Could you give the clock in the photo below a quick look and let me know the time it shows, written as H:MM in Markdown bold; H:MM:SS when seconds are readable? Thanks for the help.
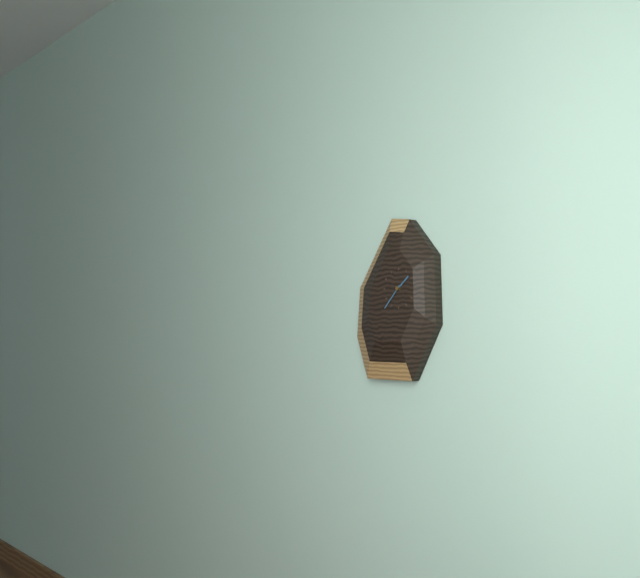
**1:37**
